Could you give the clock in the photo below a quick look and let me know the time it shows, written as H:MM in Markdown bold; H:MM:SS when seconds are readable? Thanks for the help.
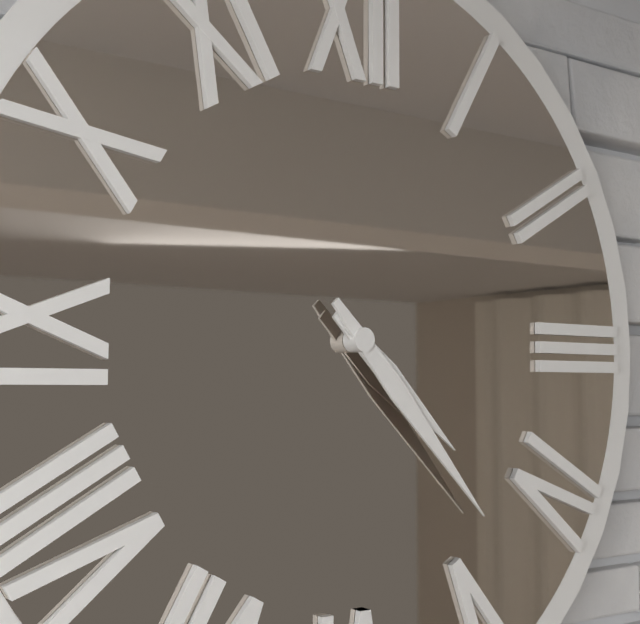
**4:23**
